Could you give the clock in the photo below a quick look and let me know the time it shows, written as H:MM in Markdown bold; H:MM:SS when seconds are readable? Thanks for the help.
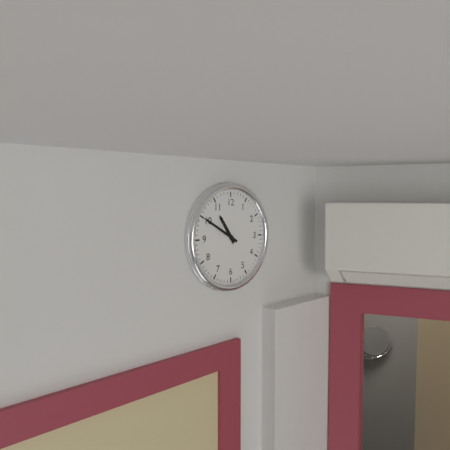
**10:50**
